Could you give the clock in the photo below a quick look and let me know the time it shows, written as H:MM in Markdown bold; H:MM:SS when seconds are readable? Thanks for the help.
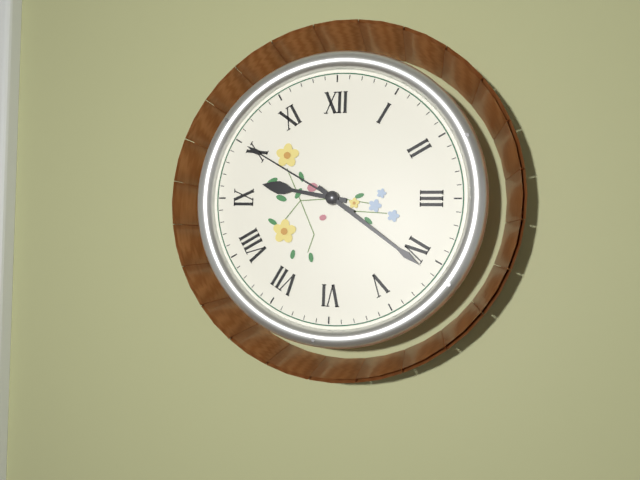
**9:21:50**
